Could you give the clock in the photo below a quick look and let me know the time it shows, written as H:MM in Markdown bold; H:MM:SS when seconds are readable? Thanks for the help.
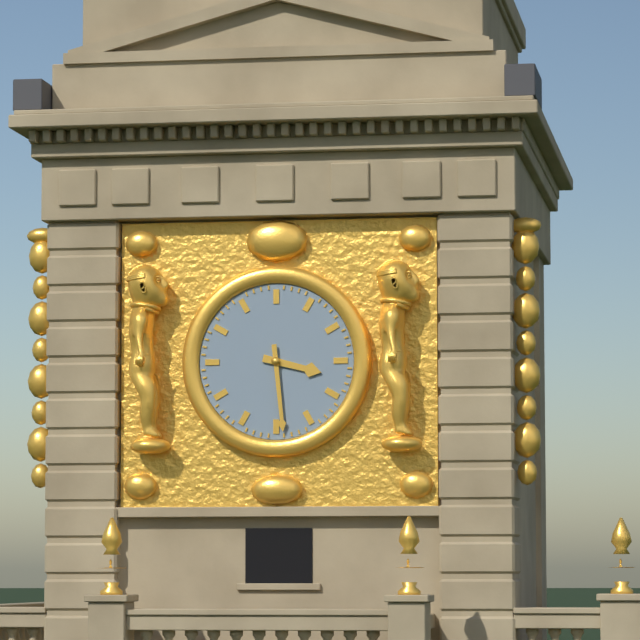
**3:29**
